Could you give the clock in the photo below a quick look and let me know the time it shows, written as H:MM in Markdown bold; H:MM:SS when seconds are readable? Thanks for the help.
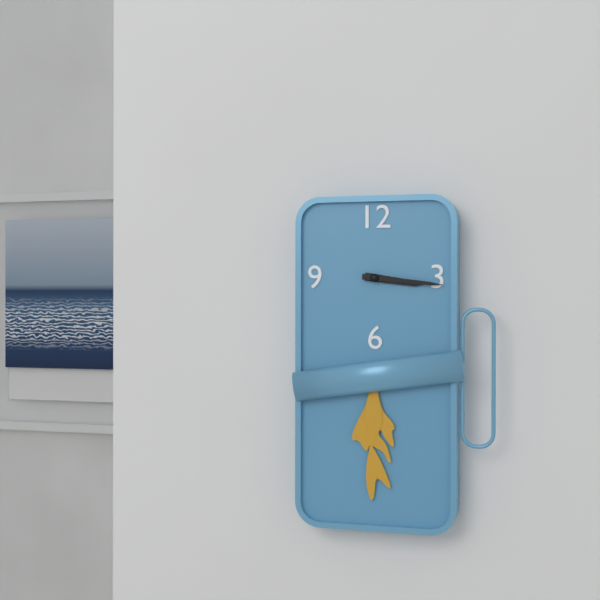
**3:16**
